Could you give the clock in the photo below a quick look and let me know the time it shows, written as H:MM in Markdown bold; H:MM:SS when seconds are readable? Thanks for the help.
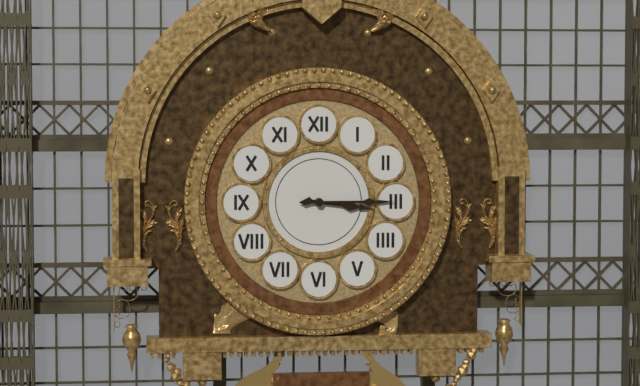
**3:15**
